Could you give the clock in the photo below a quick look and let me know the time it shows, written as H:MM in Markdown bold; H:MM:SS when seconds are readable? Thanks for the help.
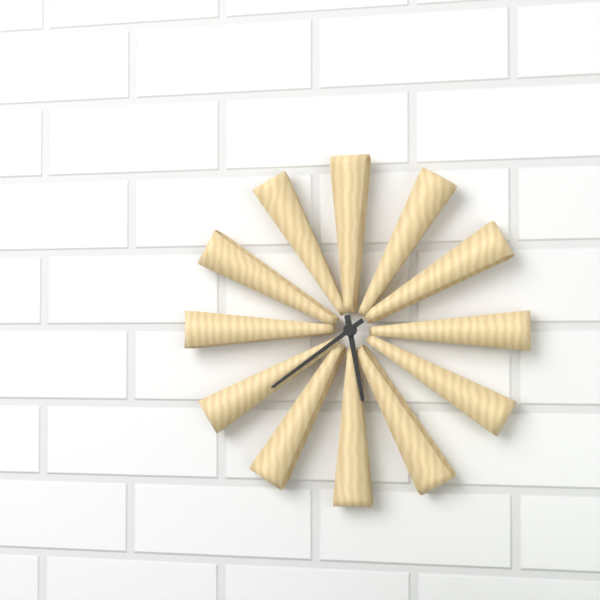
**5:39**
